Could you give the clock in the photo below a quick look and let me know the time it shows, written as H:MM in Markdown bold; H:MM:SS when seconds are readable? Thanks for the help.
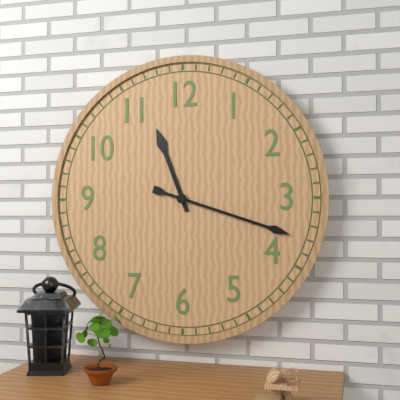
**11:18**
